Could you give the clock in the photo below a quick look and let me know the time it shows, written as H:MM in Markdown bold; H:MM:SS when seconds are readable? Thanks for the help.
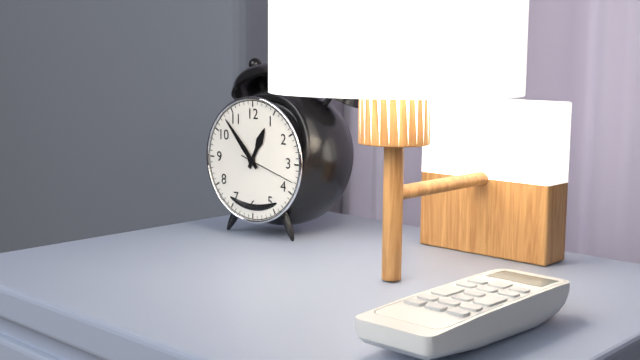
**12:53:18**
